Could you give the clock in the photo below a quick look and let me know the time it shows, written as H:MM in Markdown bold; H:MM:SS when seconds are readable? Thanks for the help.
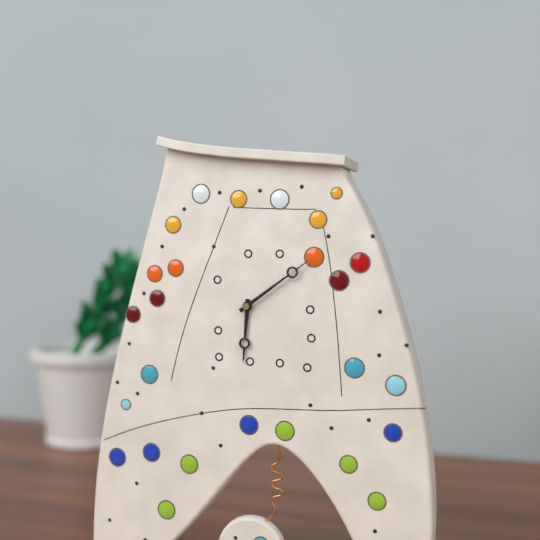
**6:09**
